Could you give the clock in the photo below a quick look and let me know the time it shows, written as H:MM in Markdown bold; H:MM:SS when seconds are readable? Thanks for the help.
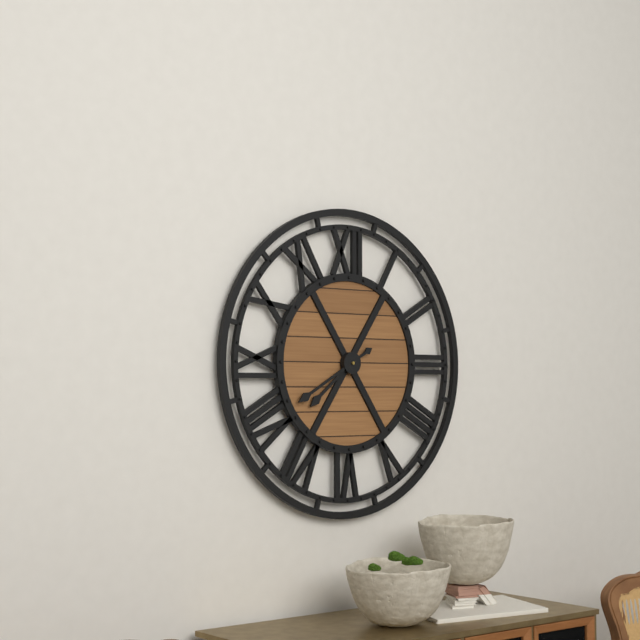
**7:40**
